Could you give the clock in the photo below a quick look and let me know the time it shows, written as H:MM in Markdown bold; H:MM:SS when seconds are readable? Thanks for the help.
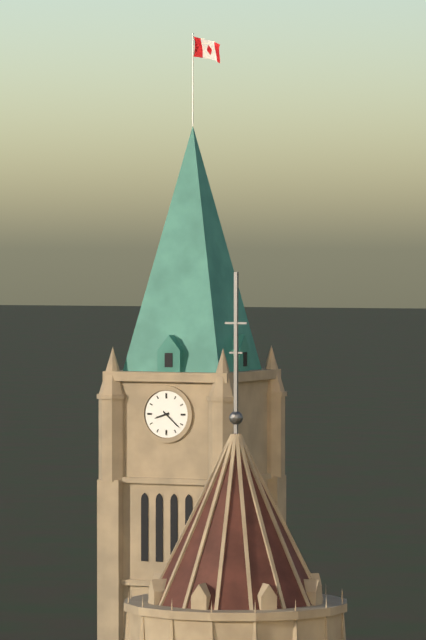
**8:22**
